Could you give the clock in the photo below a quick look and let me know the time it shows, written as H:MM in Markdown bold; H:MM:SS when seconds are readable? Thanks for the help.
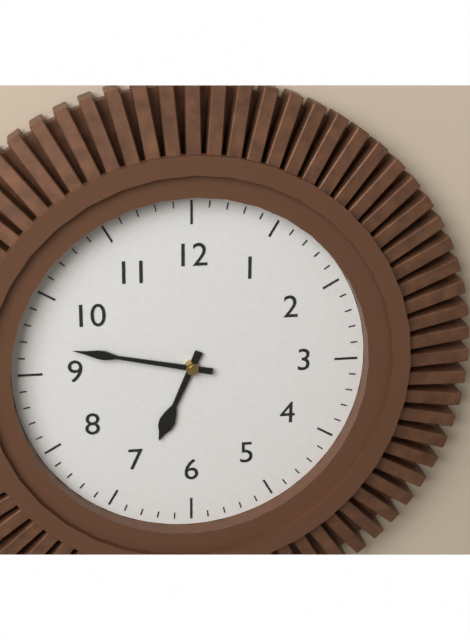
**6:47**
